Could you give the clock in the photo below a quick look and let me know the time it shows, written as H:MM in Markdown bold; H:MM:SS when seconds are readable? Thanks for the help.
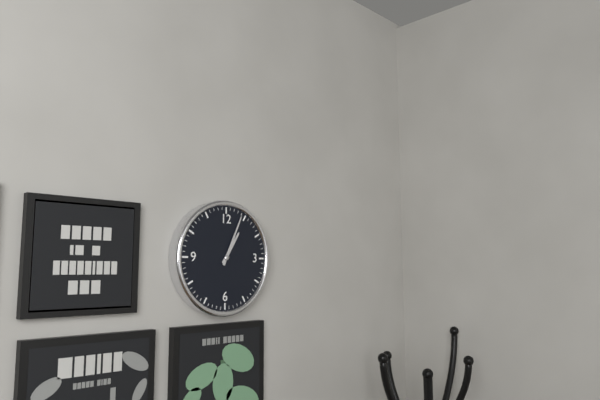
**1:04**
